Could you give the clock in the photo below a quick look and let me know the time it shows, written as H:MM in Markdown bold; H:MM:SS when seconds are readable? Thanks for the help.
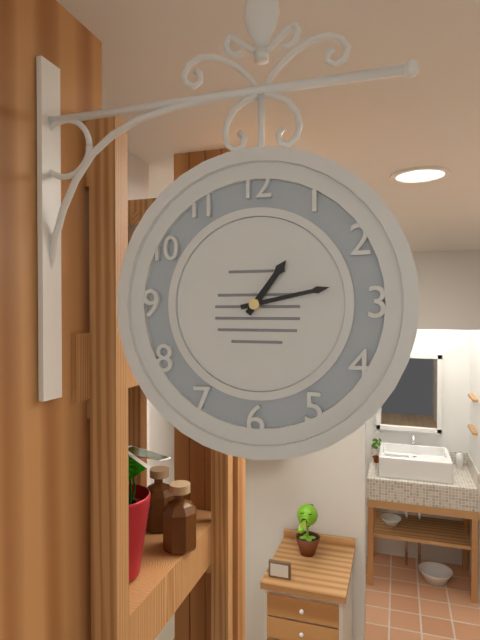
**1:13**
